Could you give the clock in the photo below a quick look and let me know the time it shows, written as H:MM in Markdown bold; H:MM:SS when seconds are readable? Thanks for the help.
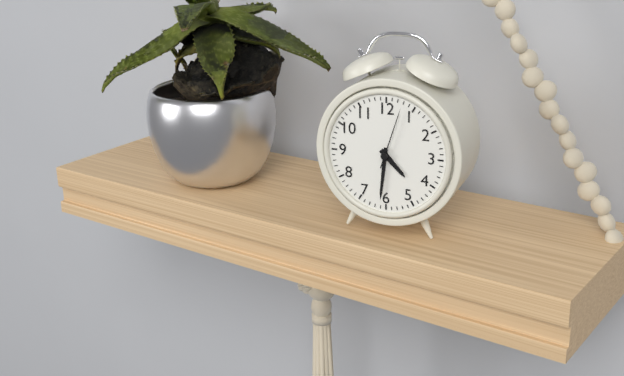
**4:31:03**
